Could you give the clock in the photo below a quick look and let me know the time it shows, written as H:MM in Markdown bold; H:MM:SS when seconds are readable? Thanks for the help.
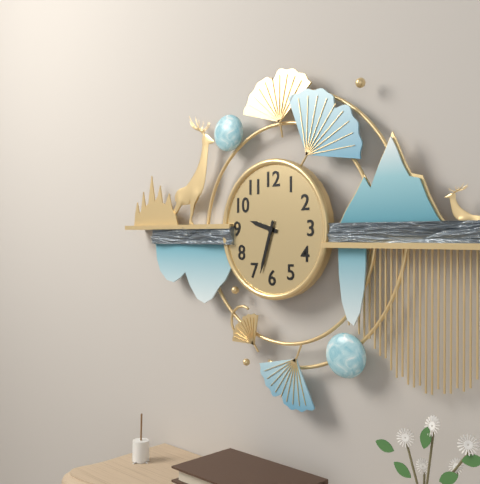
**9:33**
